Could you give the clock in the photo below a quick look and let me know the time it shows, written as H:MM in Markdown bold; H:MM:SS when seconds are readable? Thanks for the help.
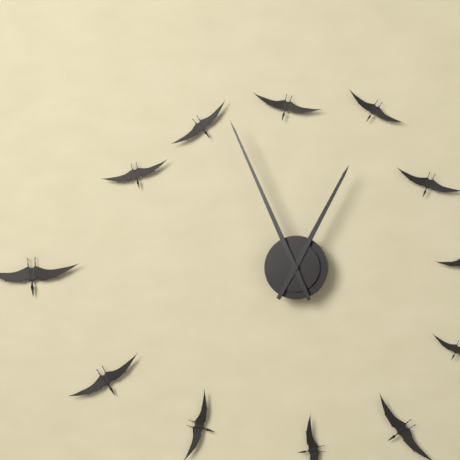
**12:56**
